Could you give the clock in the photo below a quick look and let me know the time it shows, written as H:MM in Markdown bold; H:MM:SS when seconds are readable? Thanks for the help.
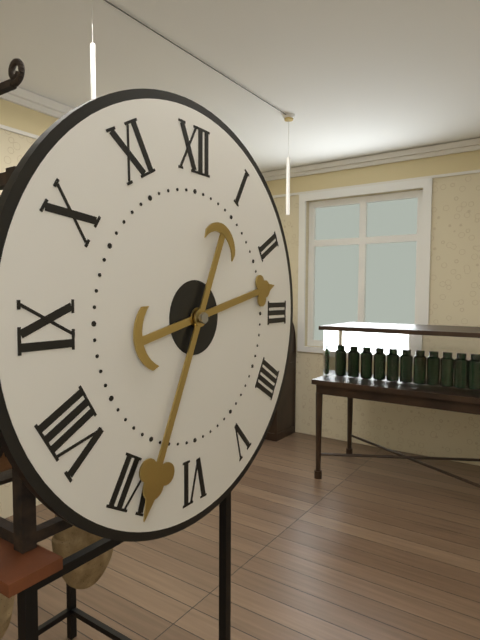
**2:34**
